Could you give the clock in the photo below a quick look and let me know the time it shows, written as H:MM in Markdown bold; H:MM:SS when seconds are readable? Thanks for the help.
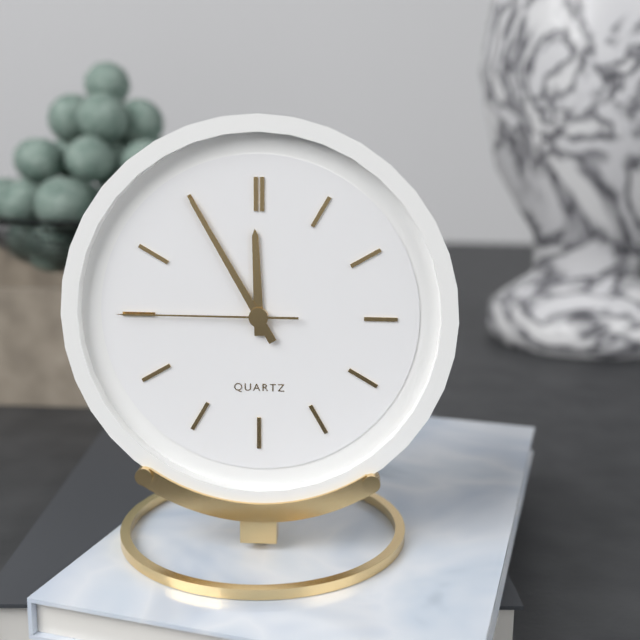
**11:55:45**
